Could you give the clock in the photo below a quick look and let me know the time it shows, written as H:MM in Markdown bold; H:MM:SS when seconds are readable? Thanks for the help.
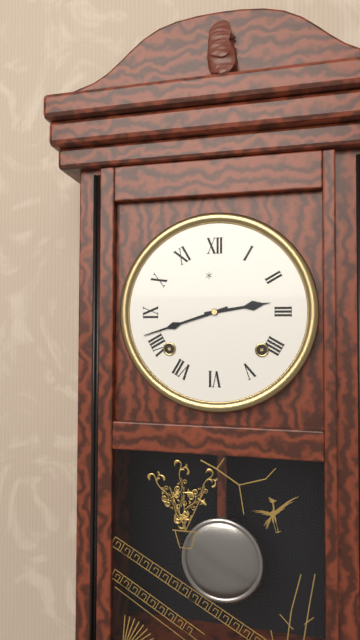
**2:42**
